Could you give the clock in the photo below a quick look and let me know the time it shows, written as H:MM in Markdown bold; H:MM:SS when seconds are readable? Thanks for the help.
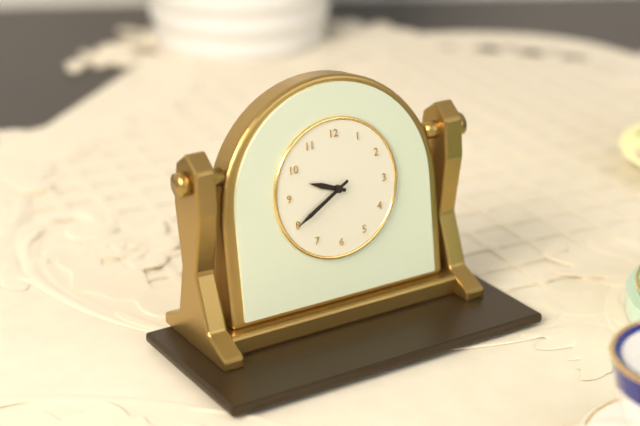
**9:40**
